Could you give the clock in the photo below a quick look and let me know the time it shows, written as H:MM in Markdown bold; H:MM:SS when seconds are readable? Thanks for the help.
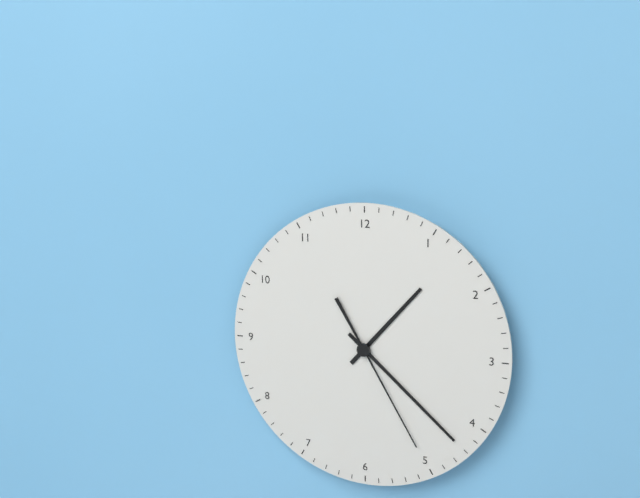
**1:22:25**
